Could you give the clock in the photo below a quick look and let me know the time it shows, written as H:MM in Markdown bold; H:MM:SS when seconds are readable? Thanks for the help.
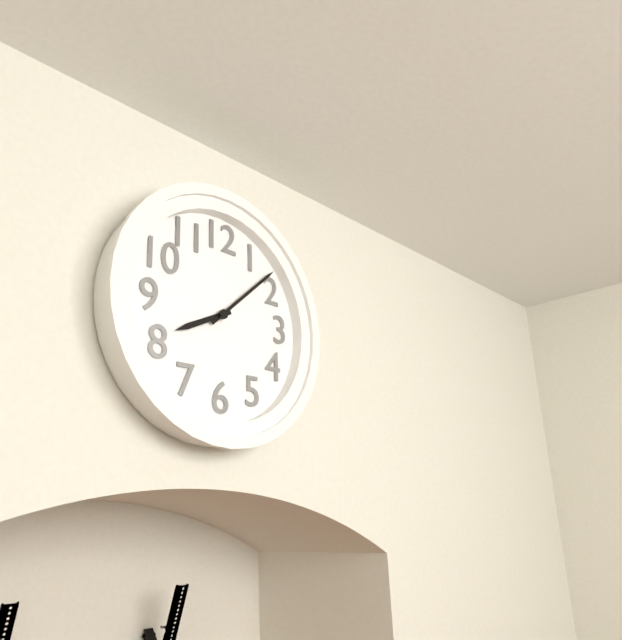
**8:08**
